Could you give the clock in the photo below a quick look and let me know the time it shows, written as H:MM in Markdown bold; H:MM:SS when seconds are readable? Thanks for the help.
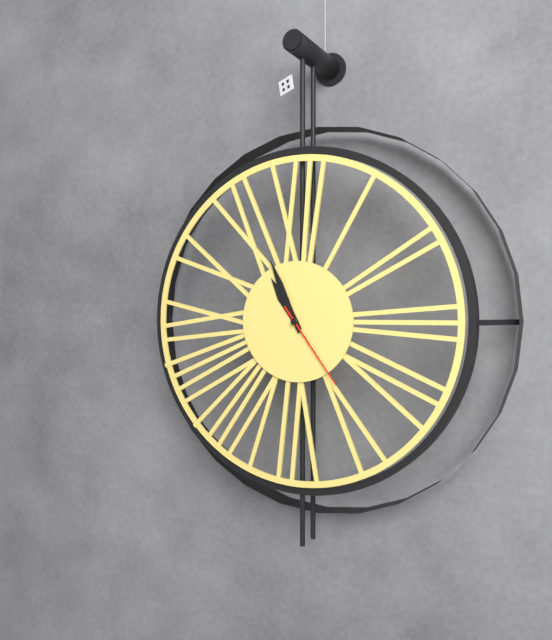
**10:56:24**
